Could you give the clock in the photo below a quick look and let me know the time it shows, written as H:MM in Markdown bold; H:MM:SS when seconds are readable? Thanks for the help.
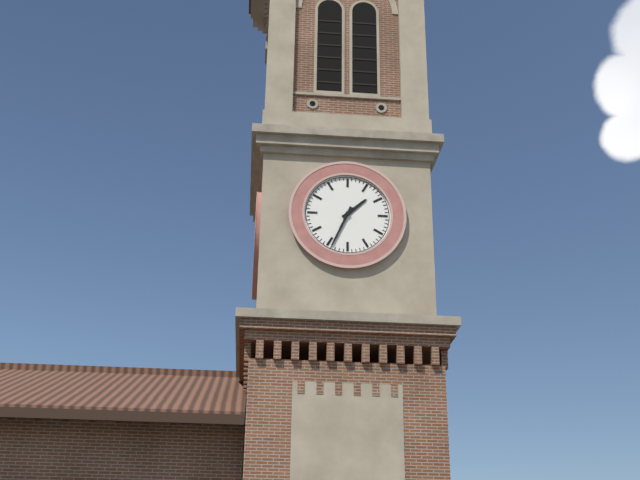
**1:34**
